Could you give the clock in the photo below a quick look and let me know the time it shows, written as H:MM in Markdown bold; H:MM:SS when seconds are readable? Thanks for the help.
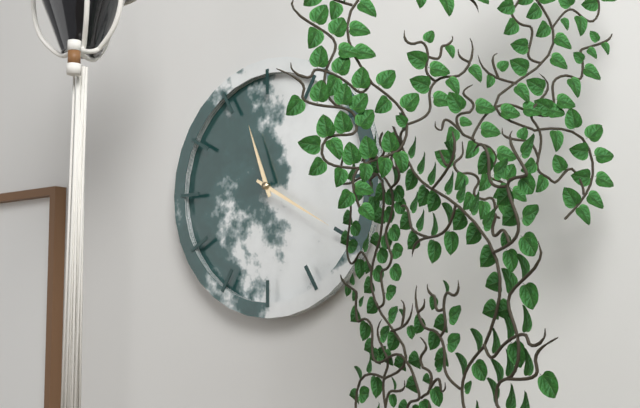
**11:20**
